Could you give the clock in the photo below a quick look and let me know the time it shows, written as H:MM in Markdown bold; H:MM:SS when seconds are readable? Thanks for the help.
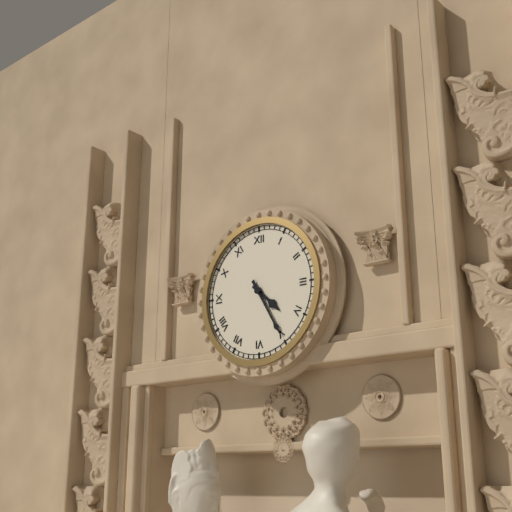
**4:25**
